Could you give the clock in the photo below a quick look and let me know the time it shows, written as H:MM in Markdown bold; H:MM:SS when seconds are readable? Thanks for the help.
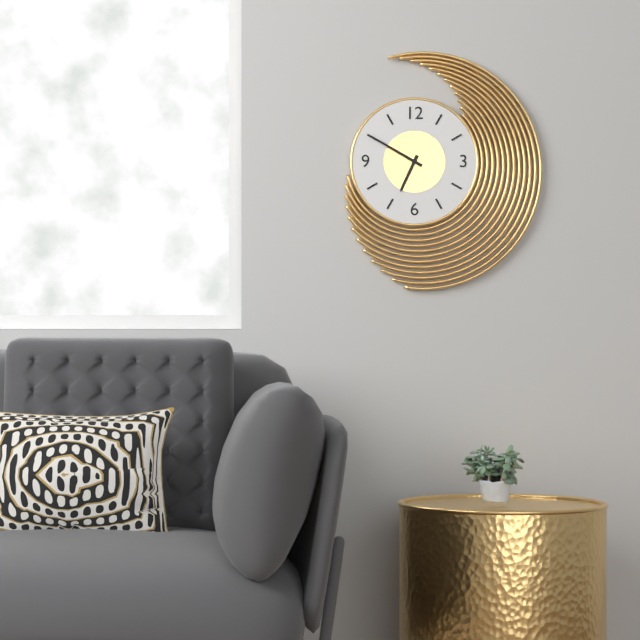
**6:50**
